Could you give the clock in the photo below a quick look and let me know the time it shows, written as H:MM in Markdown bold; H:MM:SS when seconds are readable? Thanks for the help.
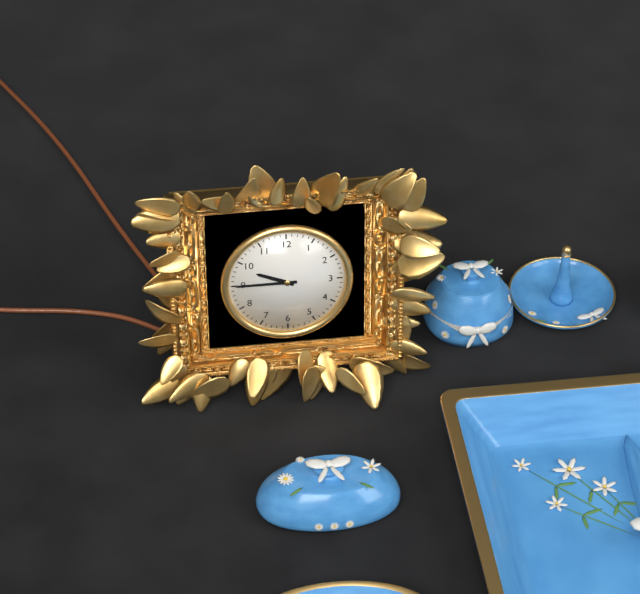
**9:45**
